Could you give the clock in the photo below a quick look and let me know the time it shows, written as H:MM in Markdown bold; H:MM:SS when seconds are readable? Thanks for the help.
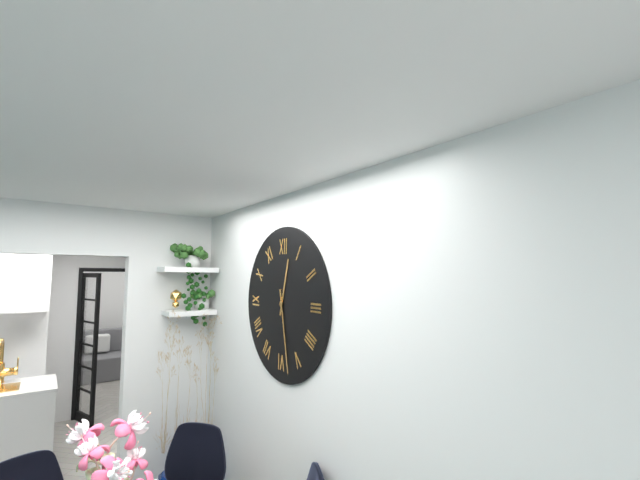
**12:28**
